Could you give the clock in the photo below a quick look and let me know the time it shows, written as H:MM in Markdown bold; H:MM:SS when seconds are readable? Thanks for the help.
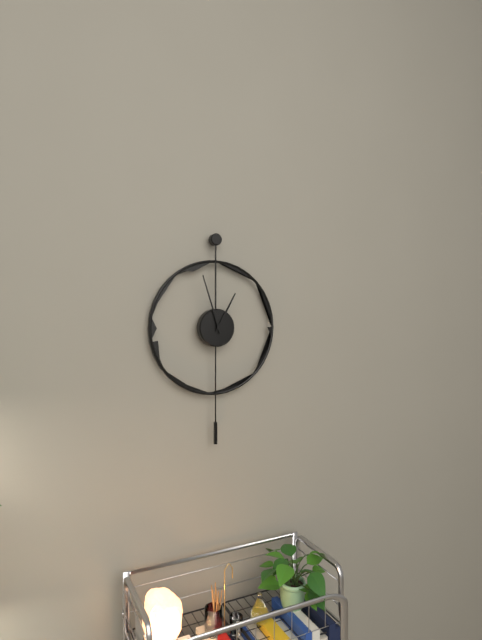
**12:57**
